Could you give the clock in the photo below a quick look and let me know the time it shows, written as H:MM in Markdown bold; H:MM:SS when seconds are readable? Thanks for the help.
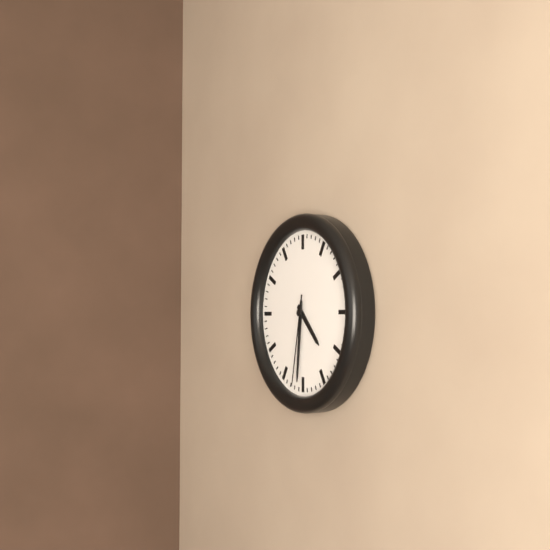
**4:31:32**
